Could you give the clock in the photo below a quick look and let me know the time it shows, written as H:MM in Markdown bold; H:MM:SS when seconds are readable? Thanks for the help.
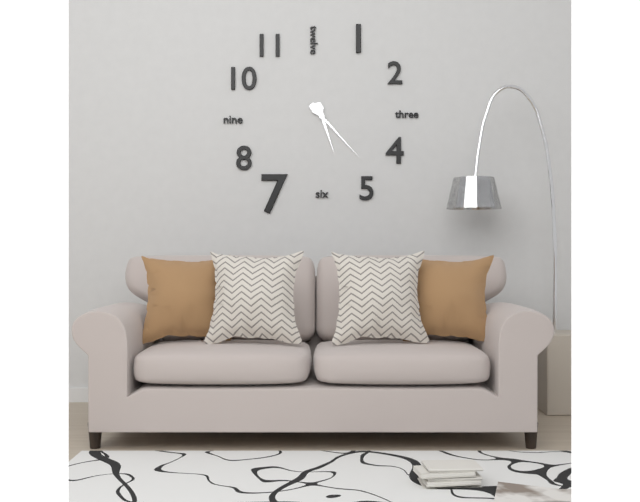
**5:23**
